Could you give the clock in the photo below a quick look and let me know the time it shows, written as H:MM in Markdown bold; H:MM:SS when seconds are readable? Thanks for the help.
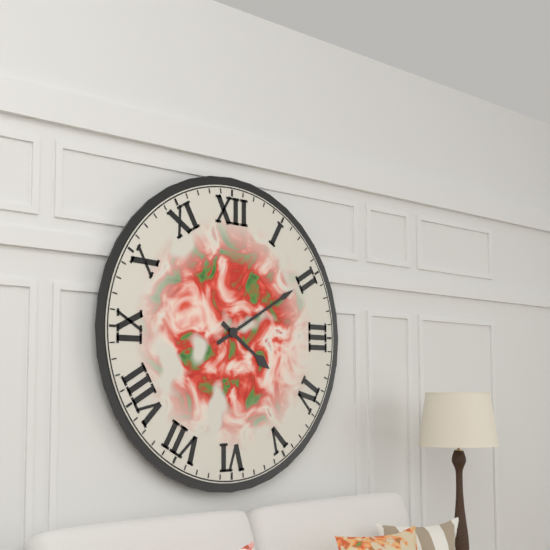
**4:10**
